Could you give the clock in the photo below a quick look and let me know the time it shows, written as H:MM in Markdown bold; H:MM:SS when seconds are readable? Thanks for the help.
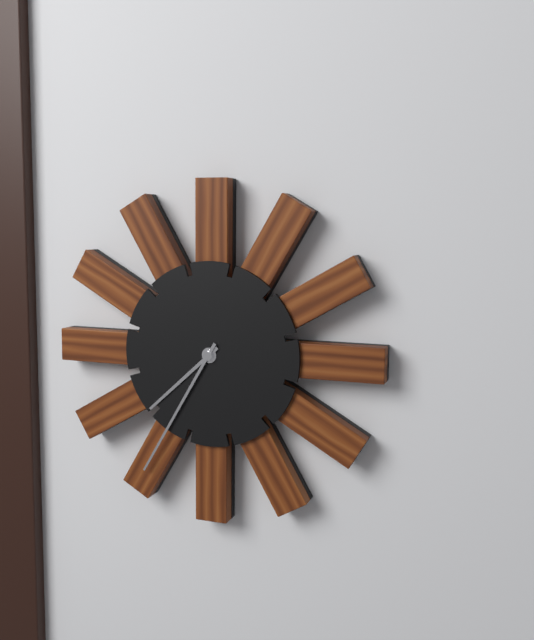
**7:35**
